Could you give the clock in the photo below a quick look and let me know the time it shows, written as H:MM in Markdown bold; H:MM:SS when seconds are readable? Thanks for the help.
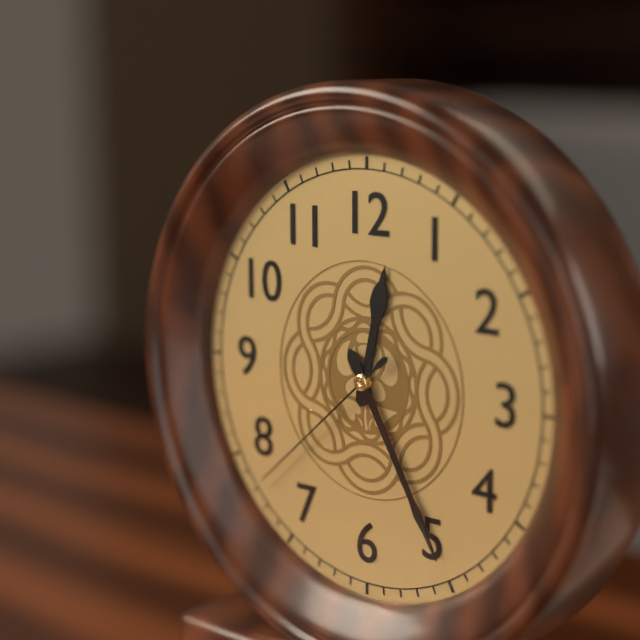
**12:25:38**
